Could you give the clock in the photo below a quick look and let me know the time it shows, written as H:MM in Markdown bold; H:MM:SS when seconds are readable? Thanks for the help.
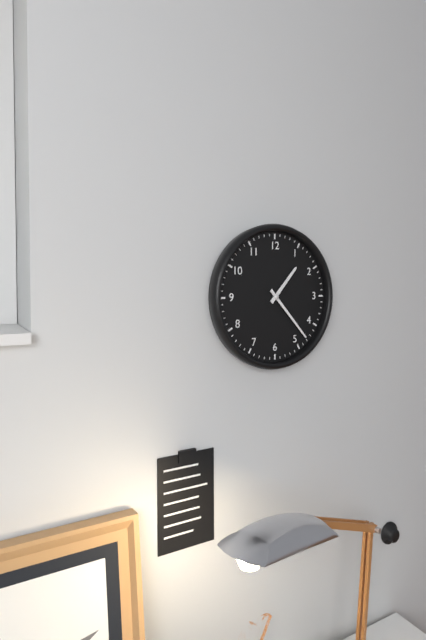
**1:23**
